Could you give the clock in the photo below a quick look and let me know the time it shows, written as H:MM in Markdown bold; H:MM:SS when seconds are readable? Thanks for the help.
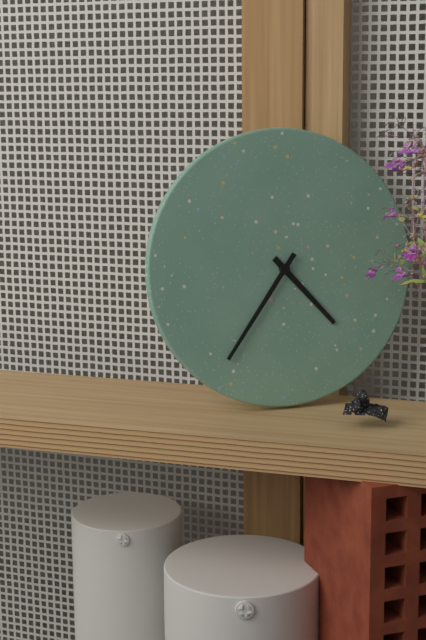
**4:36**
